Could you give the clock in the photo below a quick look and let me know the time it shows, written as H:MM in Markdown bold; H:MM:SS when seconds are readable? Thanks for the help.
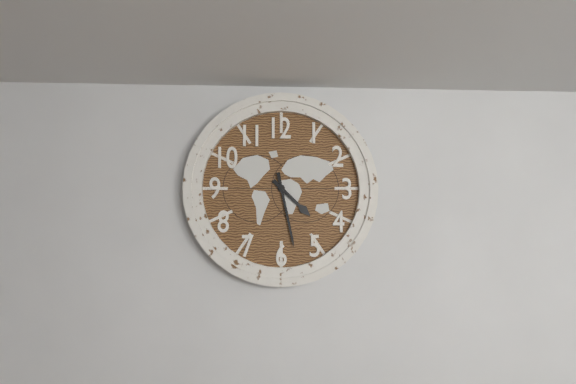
**4:28**
